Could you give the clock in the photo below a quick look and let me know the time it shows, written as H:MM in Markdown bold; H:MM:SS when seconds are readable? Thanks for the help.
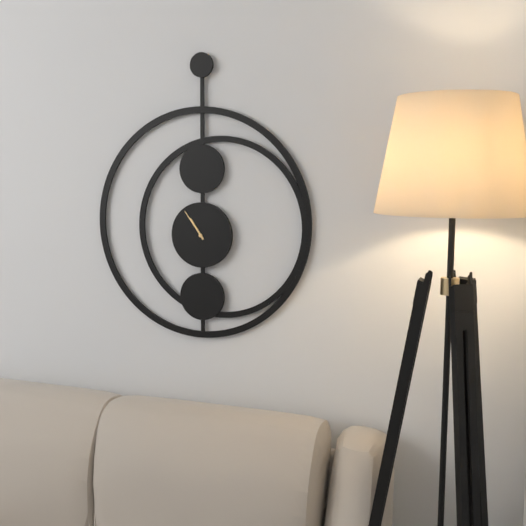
**10:54**
